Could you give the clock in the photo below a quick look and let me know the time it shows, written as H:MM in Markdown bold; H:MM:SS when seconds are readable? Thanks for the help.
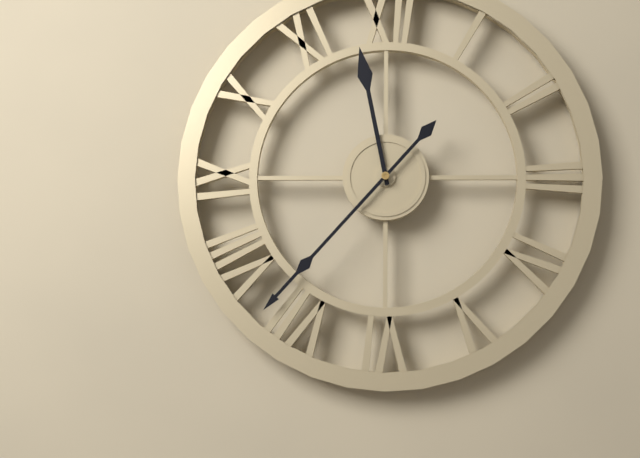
**11:37**
